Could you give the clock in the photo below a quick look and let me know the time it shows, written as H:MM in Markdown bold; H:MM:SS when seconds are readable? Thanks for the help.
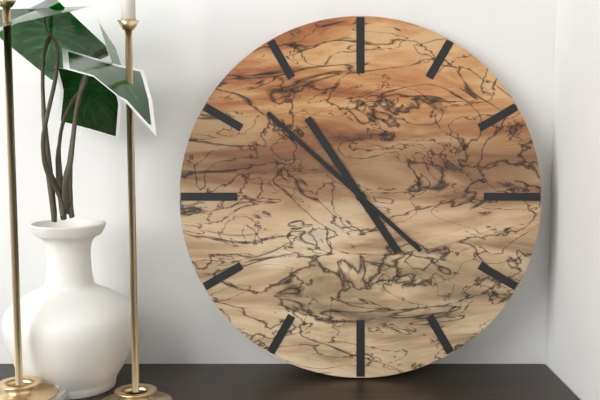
**10:52**
